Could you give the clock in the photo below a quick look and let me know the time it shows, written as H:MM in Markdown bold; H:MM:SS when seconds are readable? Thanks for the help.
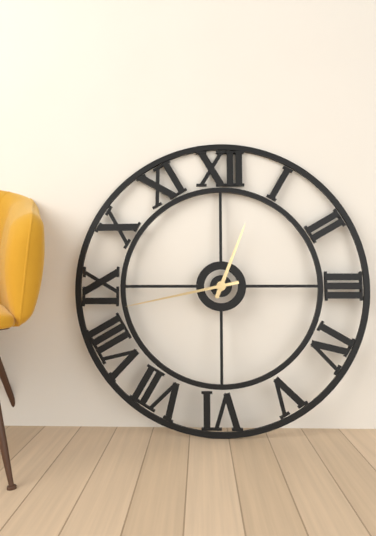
**12:43**
